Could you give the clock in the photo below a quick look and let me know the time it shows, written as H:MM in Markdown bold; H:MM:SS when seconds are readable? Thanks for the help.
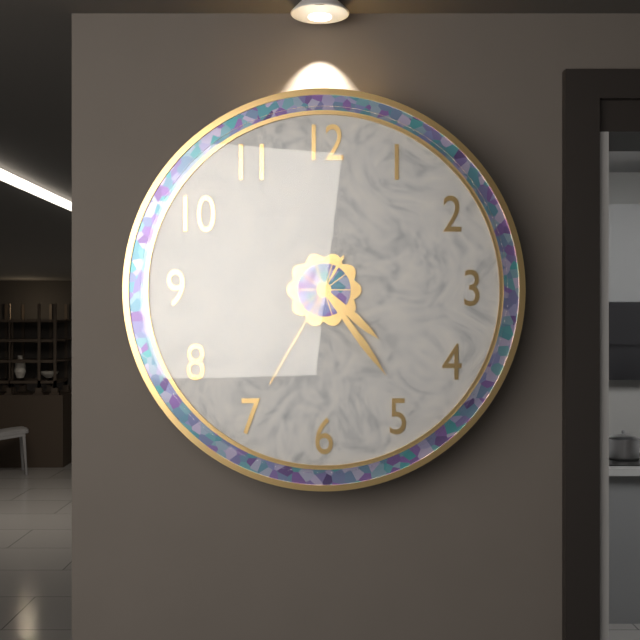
**4:24:35**
